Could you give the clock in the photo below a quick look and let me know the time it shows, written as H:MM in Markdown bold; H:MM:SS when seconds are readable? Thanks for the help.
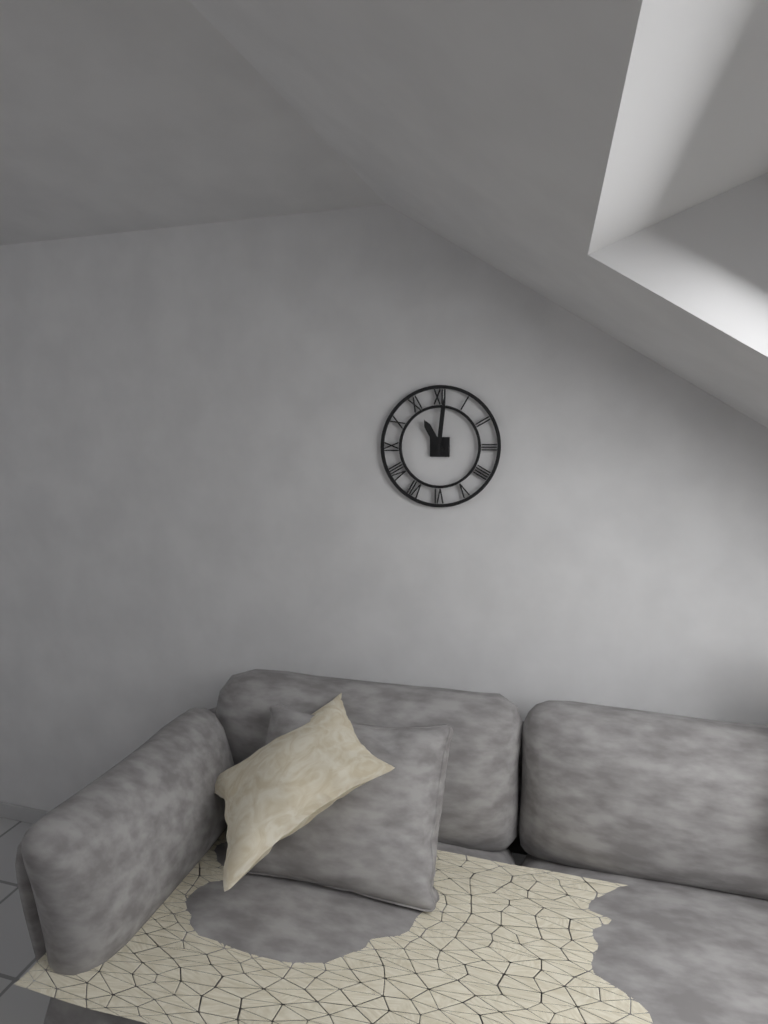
**11:01**
